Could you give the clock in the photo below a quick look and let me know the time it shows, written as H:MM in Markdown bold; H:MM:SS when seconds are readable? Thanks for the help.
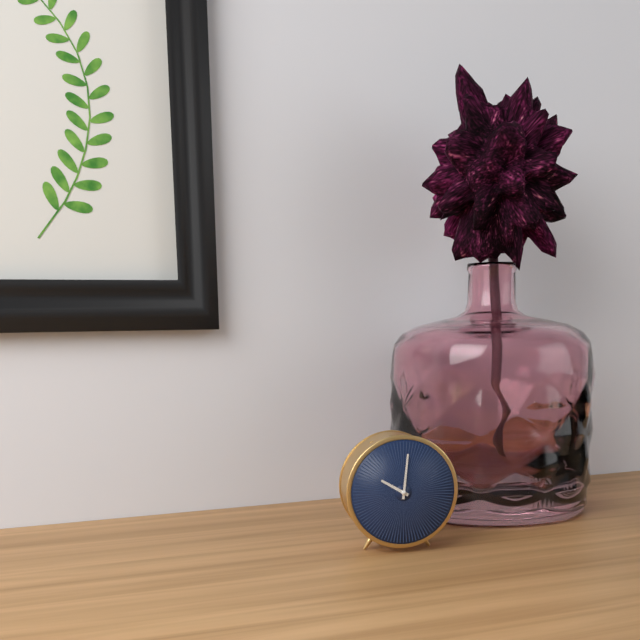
**10:01**
